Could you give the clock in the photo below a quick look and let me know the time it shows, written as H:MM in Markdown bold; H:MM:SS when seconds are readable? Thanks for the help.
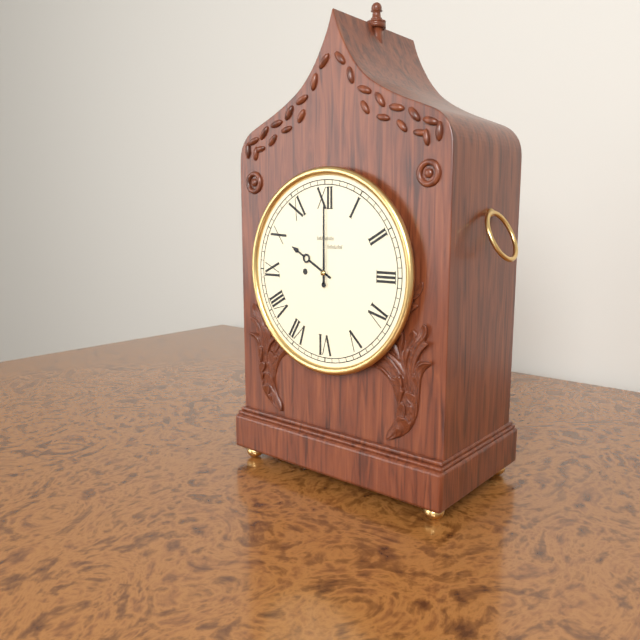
**10:00**
